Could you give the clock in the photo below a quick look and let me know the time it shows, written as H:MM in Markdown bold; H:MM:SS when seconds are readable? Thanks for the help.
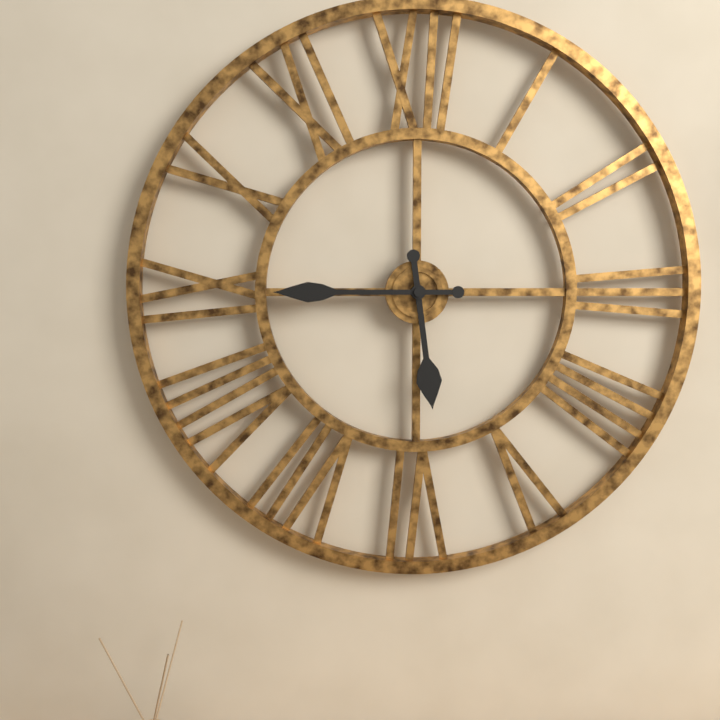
**5:45**
